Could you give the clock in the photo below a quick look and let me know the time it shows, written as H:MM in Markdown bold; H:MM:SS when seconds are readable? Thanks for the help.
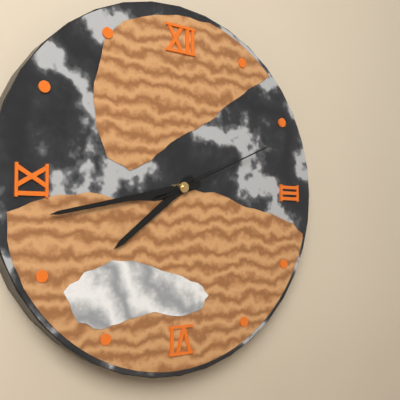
**7:43:11**
